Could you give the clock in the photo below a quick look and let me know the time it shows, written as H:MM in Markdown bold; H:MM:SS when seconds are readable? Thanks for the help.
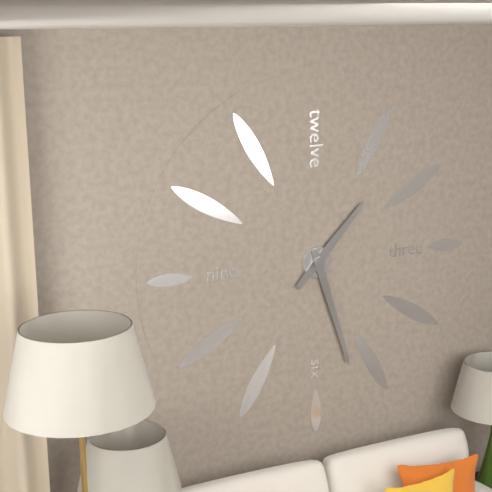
**1:27**
